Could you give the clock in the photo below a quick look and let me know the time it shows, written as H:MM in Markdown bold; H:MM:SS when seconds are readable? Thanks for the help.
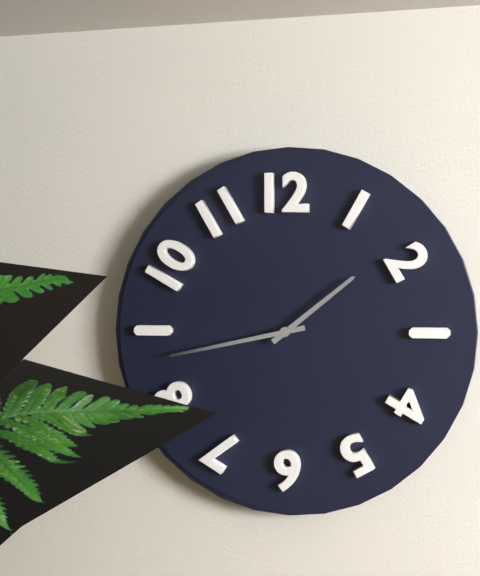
**1:43**
